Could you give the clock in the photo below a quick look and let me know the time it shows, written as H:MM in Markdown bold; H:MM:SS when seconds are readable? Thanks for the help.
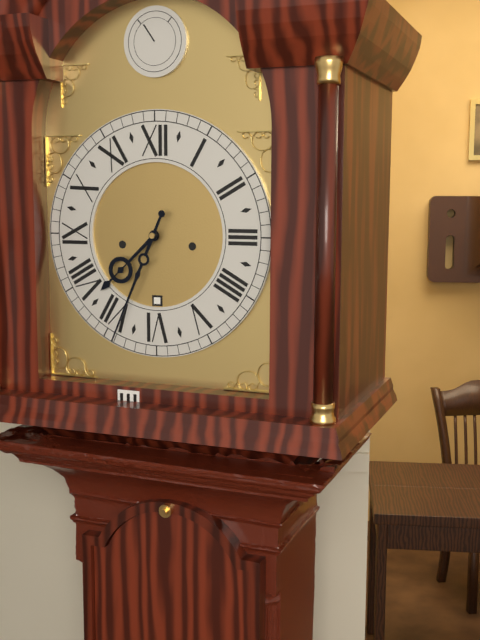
**7:34**
